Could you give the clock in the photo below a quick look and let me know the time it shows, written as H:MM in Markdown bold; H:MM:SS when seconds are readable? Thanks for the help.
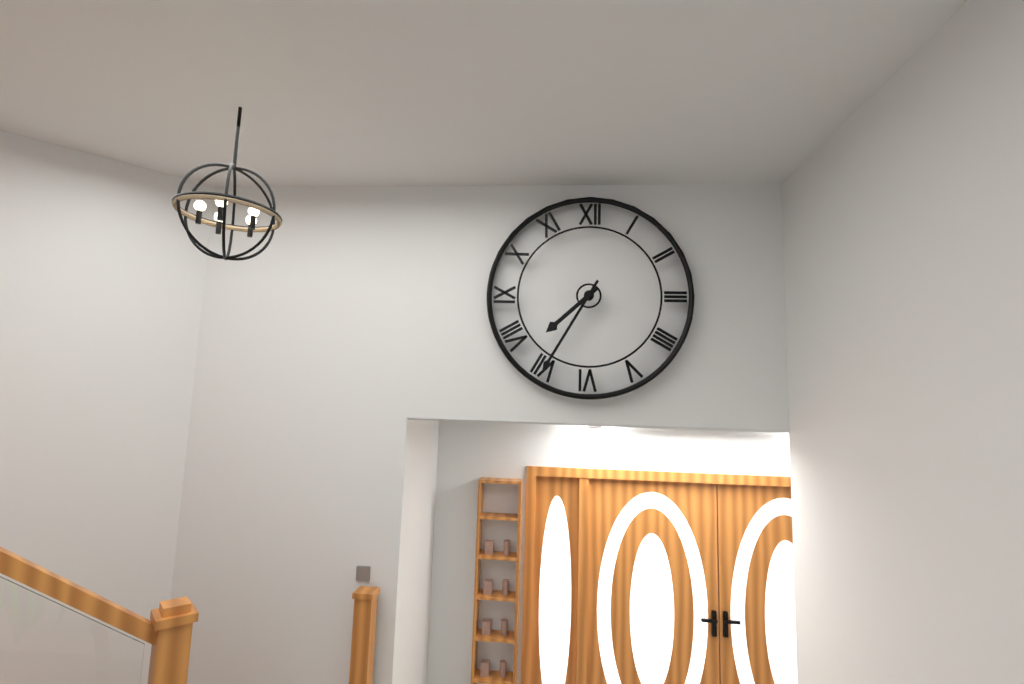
**7:35**
